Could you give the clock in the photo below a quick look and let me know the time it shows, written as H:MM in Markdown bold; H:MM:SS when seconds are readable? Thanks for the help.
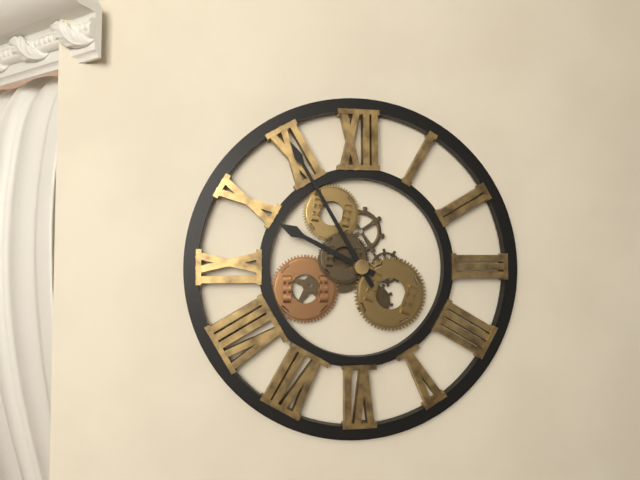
**9:55**
